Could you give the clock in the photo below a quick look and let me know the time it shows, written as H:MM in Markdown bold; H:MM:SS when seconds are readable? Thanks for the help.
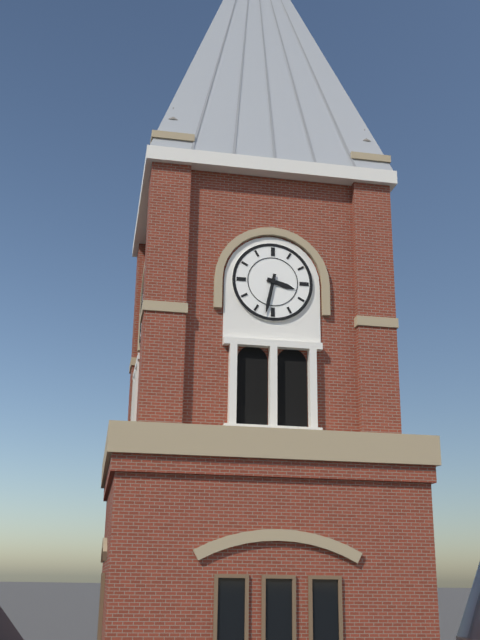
**3:32**
